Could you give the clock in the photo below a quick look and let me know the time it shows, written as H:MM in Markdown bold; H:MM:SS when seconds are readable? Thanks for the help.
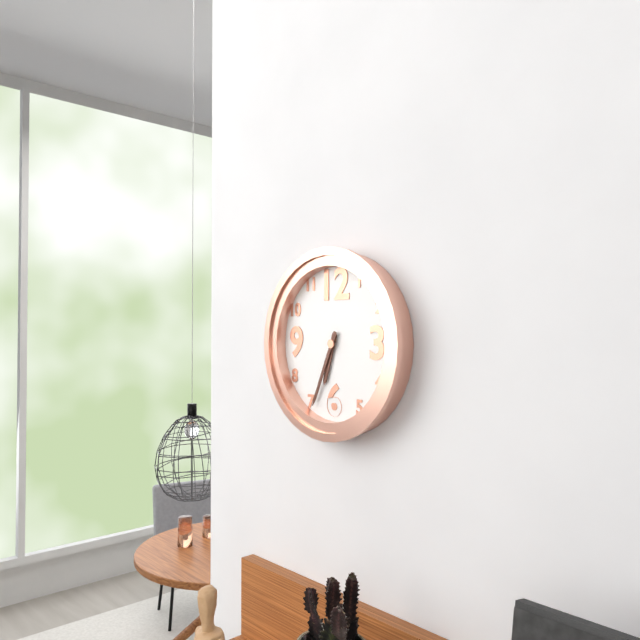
**6:34**
